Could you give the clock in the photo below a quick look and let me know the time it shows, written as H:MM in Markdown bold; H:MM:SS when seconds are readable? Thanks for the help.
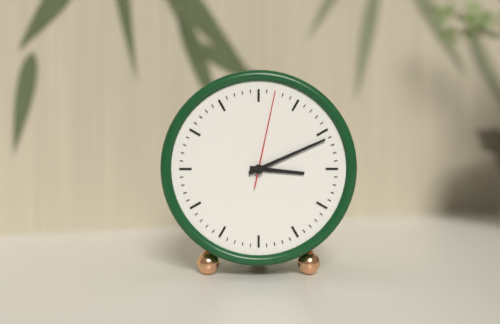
**3:11:02**
